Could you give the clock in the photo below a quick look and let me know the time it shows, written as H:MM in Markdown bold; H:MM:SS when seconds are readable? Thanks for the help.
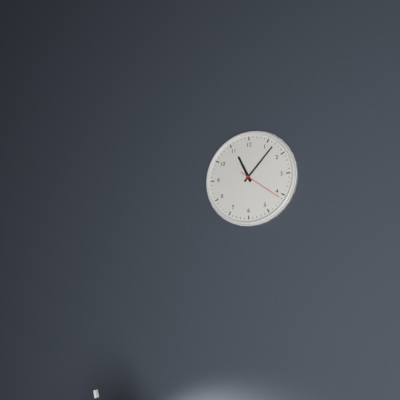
**11:07**
